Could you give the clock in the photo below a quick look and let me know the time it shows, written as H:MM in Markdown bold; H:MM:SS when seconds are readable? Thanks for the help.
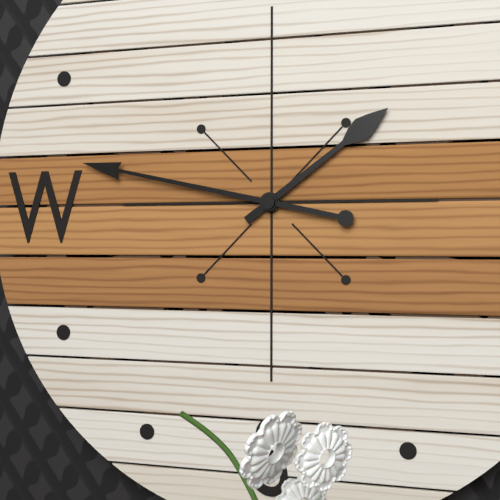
**1:47**
